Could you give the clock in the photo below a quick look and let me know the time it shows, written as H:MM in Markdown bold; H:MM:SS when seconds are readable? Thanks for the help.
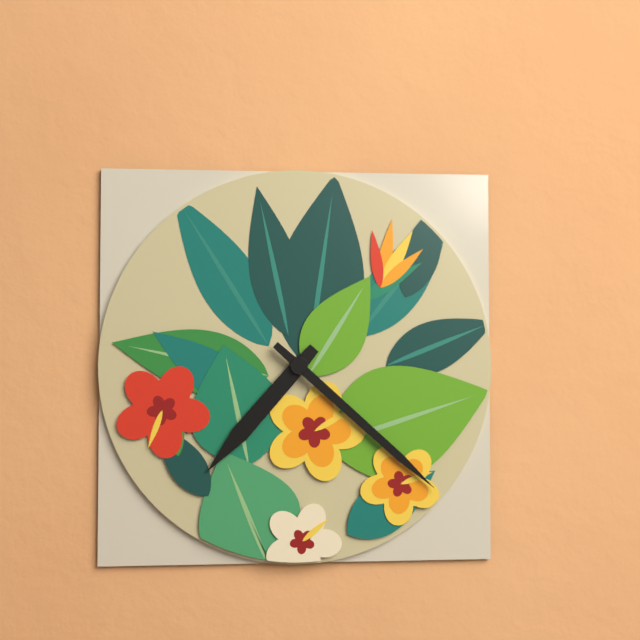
**7:22**
